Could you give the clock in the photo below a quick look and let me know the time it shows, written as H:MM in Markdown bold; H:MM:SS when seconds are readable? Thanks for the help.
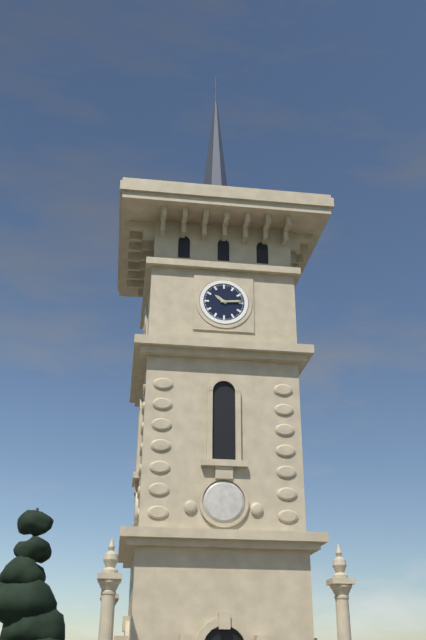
**10:14**
